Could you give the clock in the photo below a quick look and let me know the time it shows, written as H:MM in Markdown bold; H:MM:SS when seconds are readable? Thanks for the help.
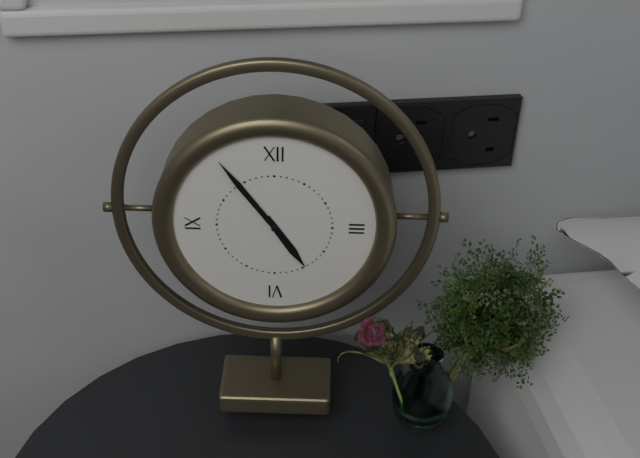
**4:54**
